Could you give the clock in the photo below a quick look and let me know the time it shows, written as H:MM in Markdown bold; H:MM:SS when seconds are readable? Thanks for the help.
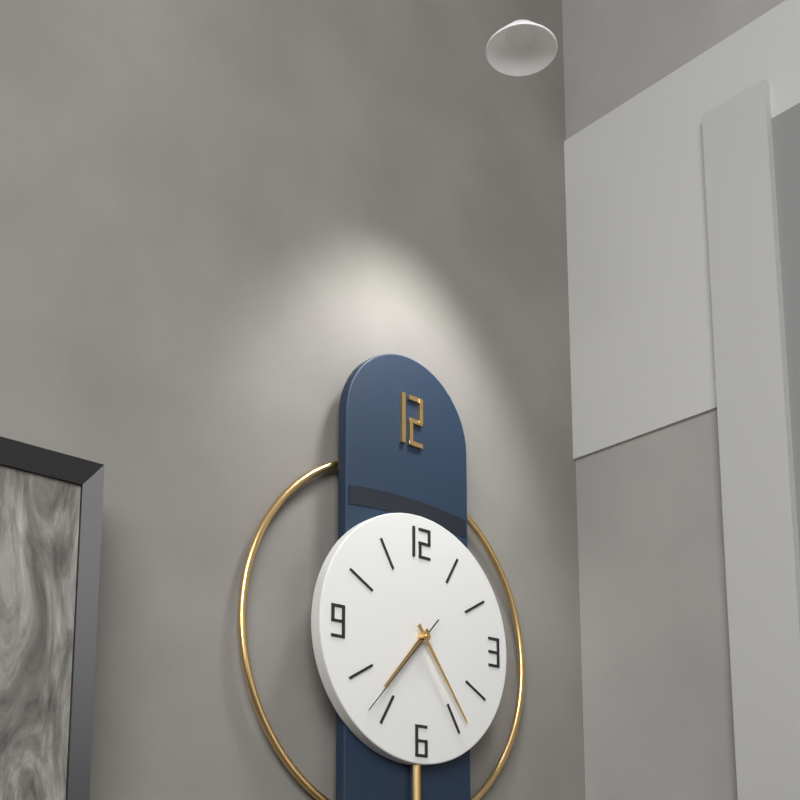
**7:24:37**
